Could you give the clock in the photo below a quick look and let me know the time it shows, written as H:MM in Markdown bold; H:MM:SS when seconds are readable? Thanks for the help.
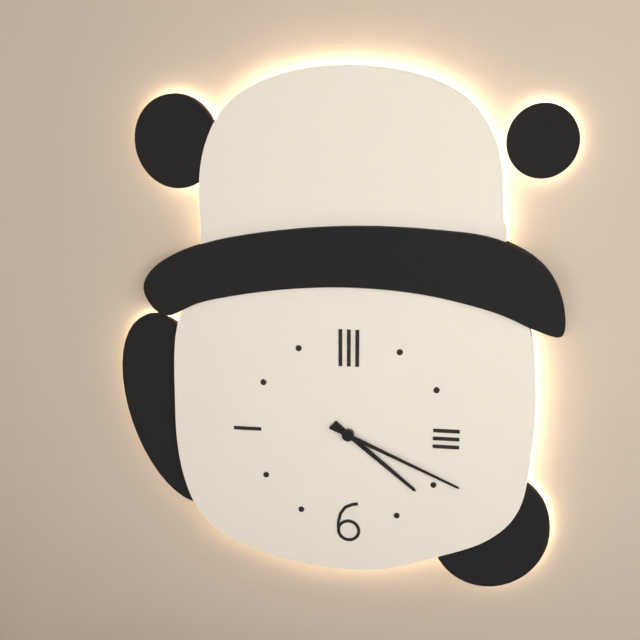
**4:19**
